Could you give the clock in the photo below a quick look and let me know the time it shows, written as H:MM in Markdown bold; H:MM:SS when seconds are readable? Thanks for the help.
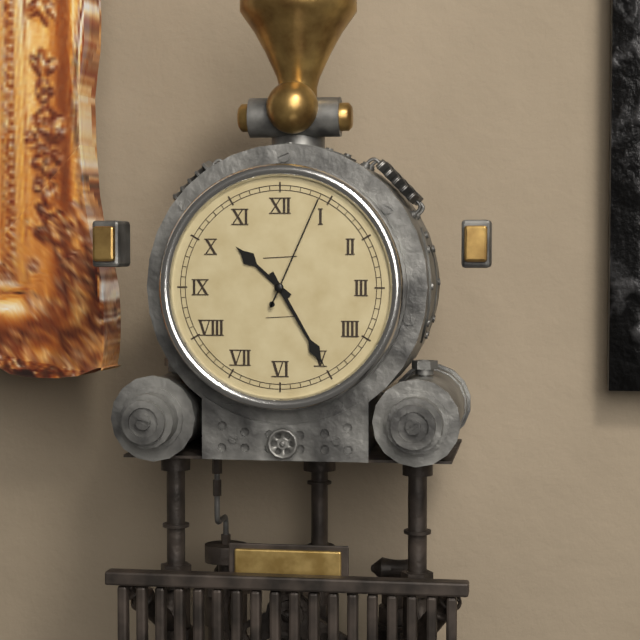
**10:25:04**
